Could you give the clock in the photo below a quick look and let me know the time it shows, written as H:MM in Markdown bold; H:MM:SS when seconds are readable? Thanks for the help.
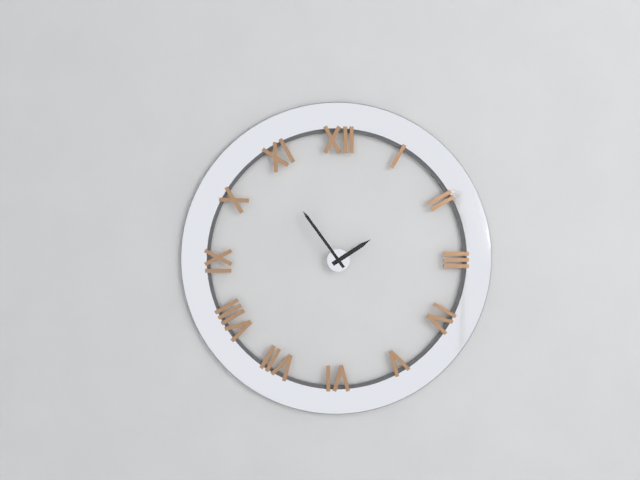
**1:54**
